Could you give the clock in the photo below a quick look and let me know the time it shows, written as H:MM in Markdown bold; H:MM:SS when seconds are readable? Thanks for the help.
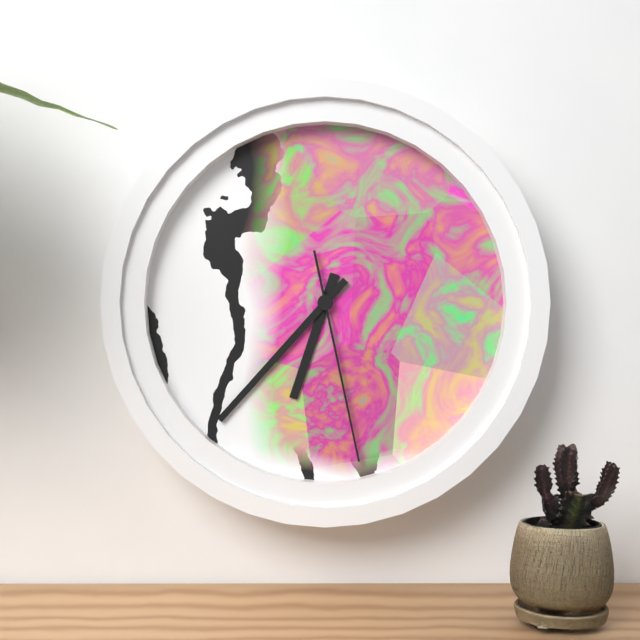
**6:37:28**
